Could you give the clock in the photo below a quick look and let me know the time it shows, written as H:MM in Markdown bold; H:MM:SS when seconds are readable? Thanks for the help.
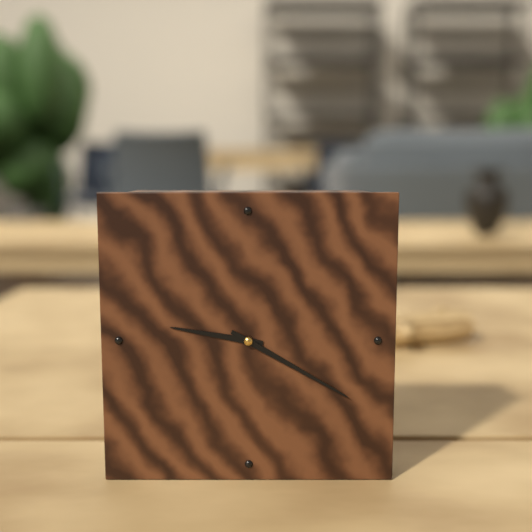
**9:20**
